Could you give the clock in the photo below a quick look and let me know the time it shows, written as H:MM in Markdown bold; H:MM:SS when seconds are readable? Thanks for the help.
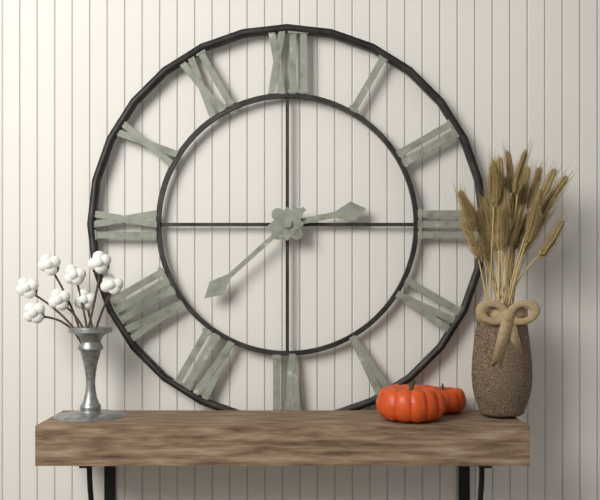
**2:38**
